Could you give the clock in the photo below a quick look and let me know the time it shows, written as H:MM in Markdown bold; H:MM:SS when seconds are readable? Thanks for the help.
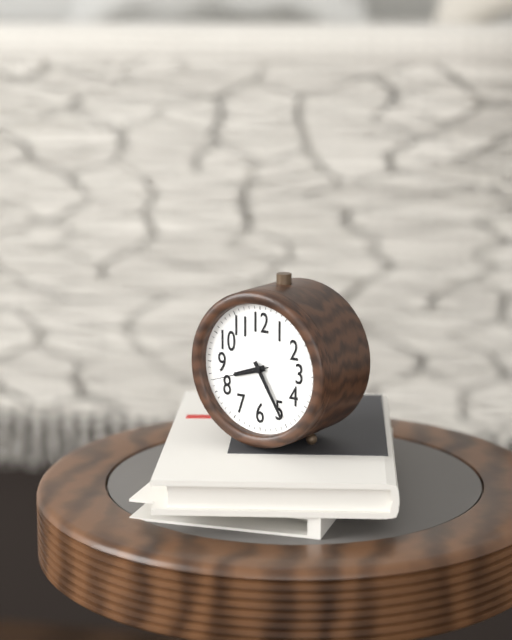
**8:25:42**
